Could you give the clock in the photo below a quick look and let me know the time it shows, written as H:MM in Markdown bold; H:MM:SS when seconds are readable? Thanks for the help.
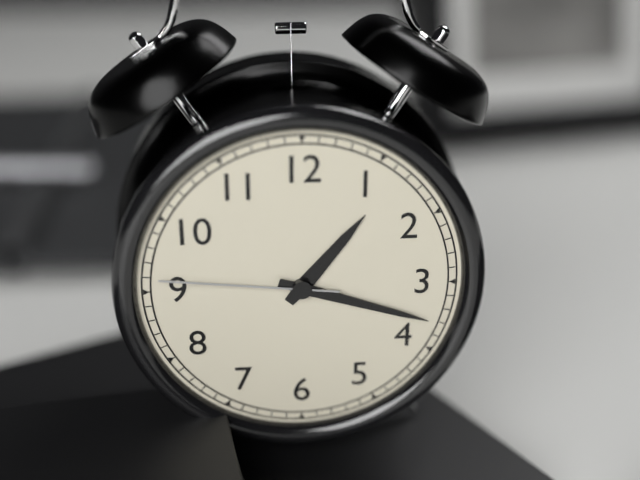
**1:18:46**
